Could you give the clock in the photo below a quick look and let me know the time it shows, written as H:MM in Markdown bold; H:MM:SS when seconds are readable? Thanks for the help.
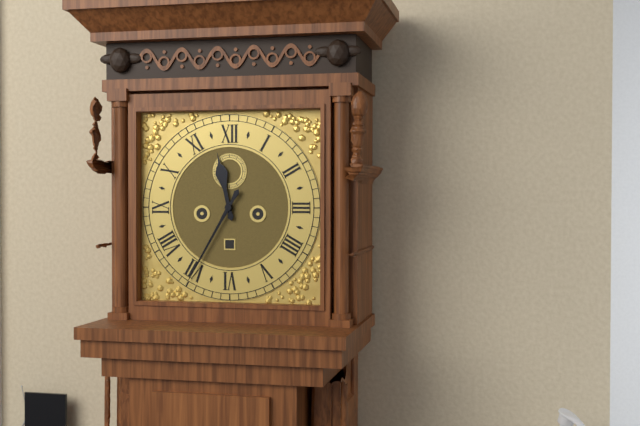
**11:35**
